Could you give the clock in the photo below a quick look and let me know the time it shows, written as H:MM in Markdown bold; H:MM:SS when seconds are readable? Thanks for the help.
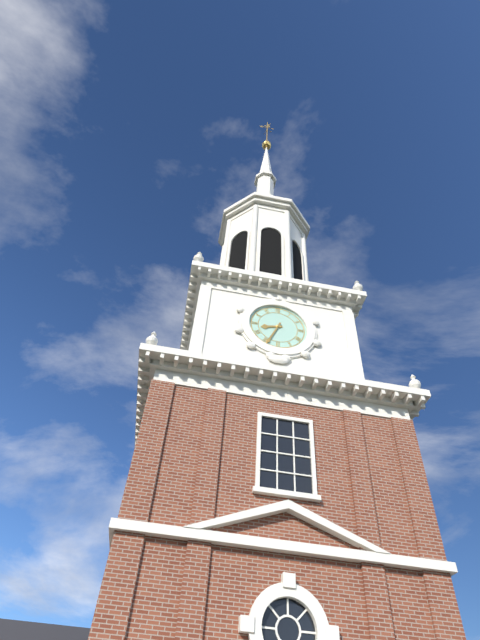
**8:34**
